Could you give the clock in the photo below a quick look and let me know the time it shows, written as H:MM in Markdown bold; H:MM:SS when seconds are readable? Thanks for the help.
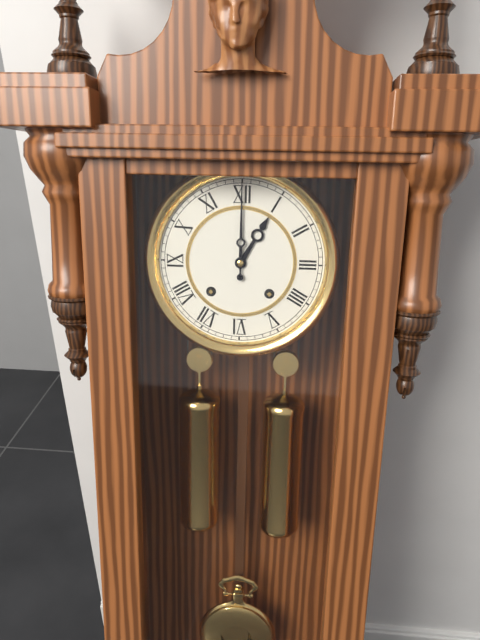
**1:00**
